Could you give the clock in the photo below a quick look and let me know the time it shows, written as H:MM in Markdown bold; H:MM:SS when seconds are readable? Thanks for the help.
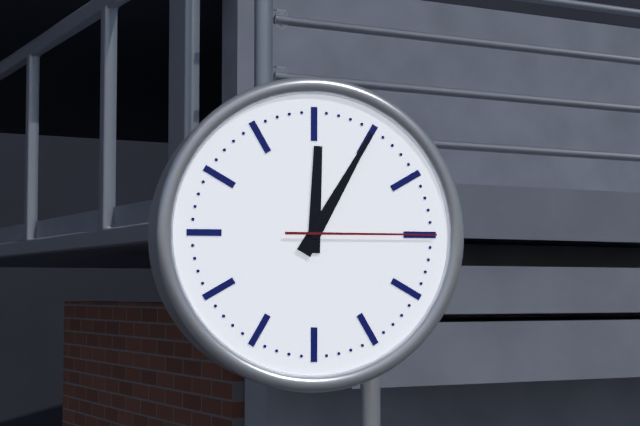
**12:05:15**
